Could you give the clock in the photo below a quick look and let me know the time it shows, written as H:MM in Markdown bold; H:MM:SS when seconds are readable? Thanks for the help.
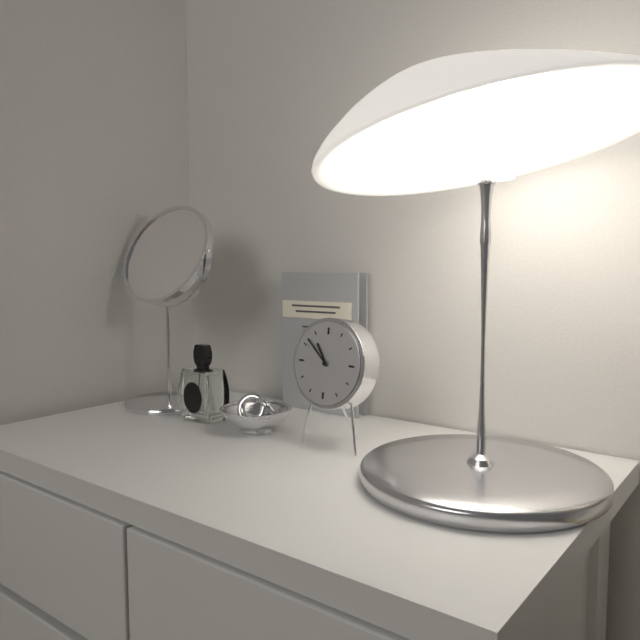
**10:52**
